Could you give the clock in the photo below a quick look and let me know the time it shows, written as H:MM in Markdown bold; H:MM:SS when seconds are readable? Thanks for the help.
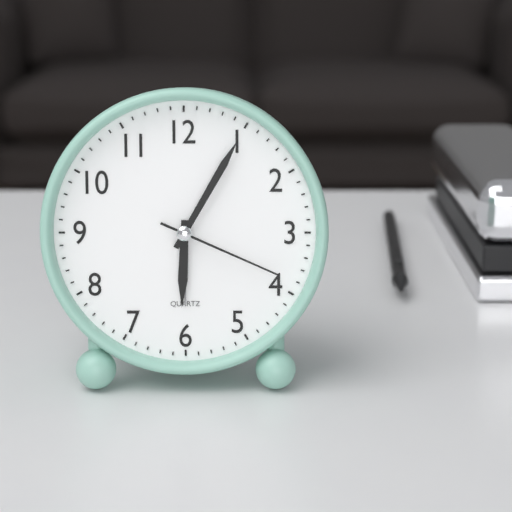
**6:05:19**
